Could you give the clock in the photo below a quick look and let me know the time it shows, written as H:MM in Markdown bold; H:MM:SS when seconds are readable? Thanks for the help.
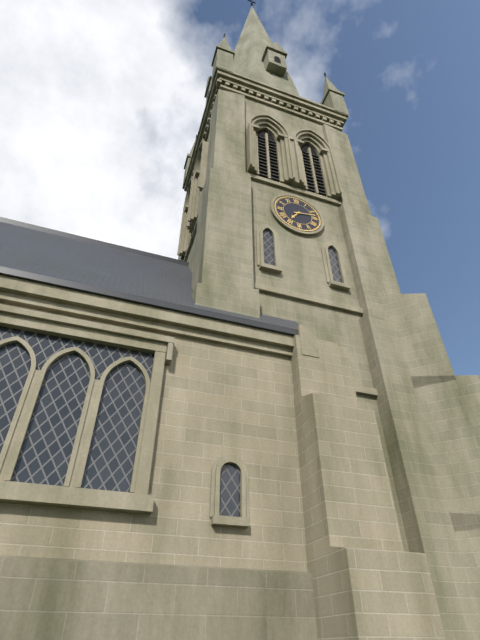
**7:13**
